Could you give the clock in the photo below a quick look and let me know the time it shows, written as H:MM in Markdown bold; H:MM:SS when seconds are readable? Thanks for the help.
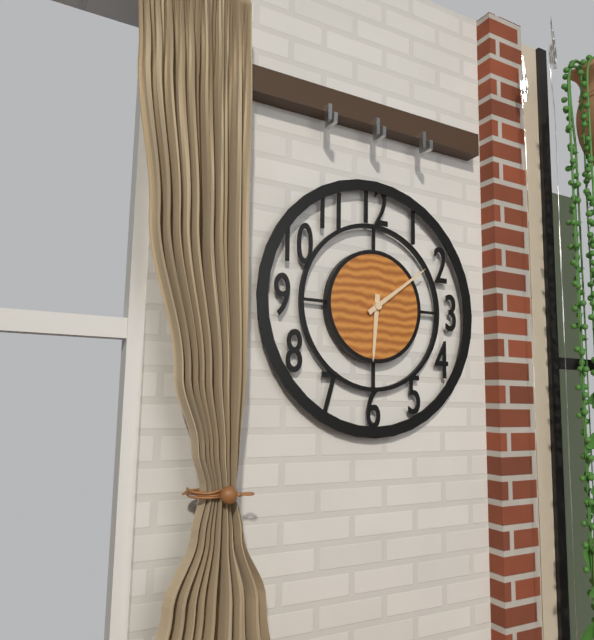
**6:09**
